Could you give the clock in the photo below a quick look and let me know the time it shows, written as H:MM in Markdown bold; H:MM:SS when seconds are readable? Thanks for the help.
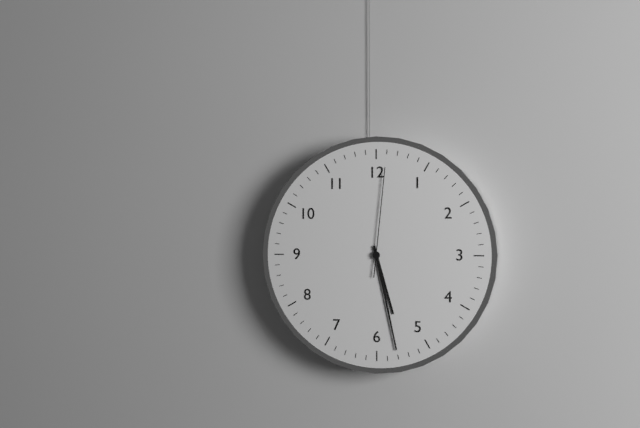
**5:28:01**
